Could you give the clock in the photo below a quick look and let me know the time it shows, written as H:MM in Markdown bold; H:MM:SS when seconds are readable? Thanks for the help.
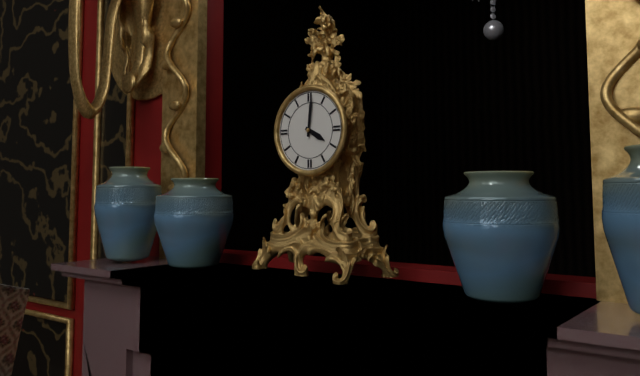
**4:01**
